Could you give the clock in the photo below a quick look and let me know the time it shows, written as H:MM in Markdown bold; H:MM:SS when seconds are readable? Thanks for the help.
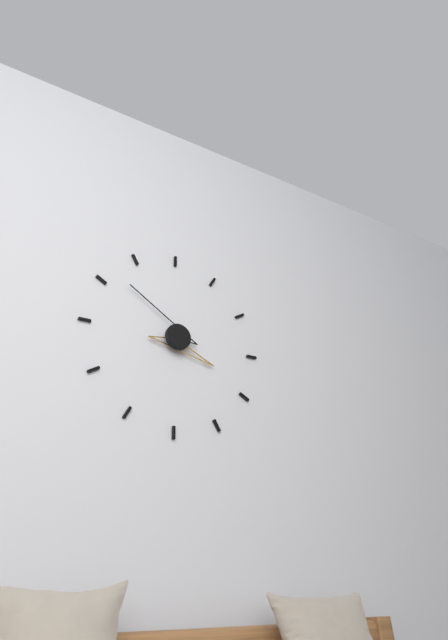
**3:52**
